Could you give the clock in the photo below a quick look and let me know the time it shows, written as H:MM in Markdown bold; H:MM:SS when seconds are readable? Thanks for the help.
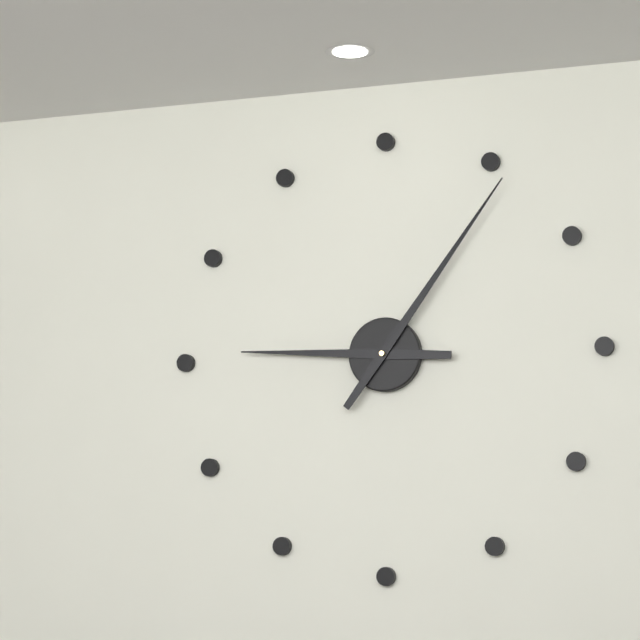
**9:06**
